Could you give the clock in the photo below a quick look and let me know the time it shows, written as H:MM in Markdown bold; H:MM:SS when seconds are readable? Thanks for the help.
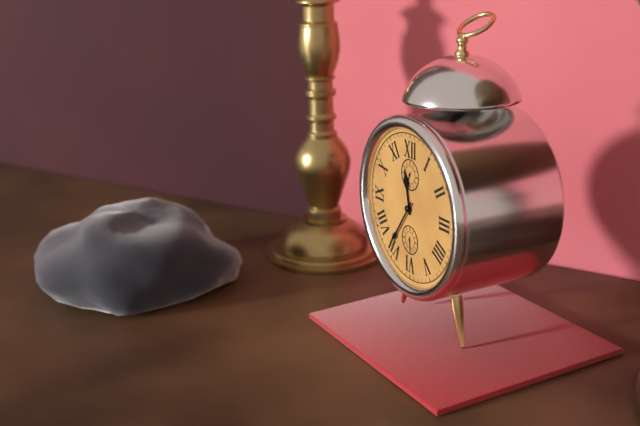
**11:36**
